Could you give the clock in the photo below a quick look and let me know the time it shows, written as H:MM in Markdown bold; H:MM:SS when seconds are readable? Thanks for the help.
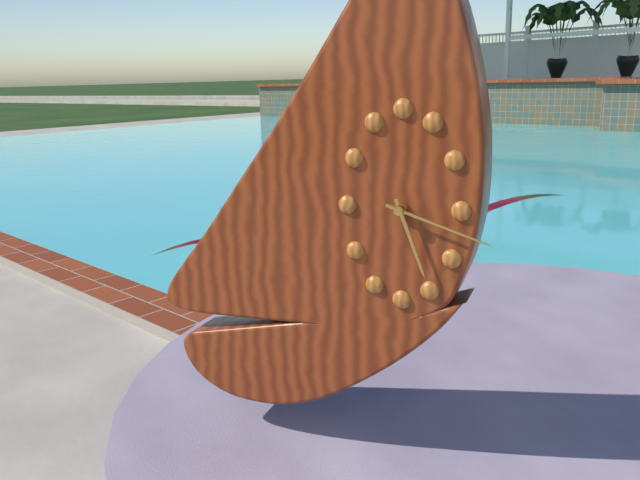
**5:18**
